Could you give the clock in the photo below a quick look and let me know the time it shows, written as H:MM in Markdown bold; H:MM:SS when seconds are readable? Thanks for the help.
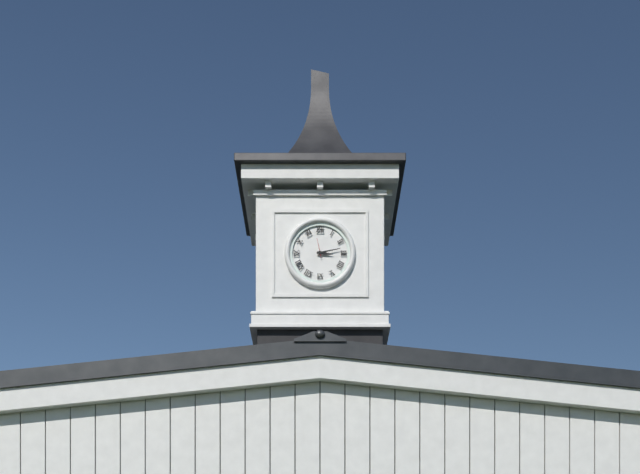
**3:13**
